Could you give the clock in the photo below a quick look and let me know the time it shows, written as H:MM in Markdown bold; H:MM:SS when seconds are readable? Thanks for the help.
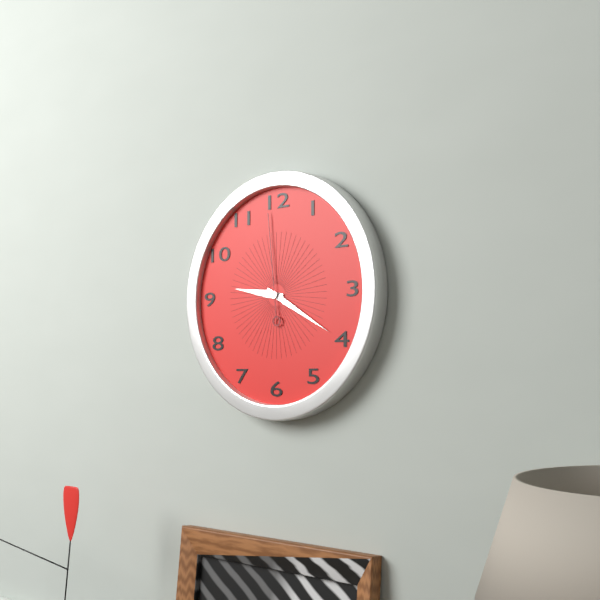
**9:20:59**
